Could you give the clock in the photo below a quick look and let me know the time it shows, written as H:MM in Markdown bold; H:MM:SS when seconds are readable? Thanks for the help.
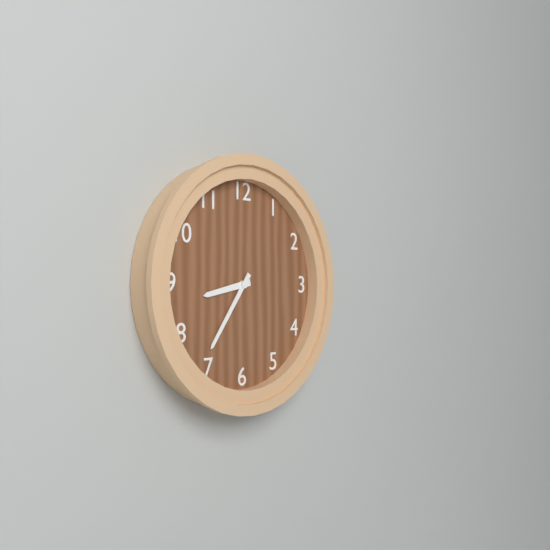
**8:36**
